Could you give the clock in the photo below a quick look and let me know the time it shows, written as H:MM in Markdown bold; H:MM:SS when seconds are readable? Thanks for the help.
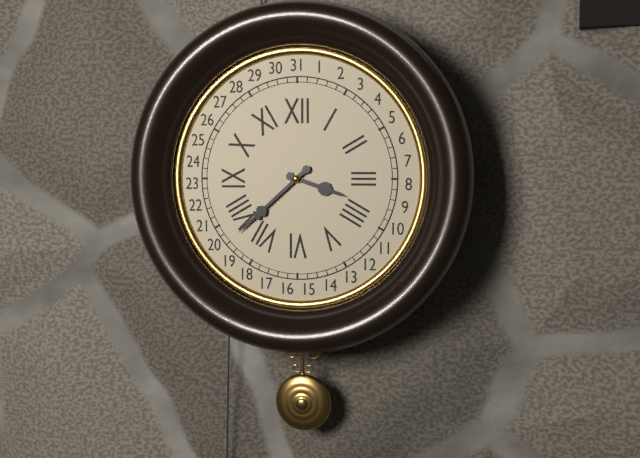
**3:38**
